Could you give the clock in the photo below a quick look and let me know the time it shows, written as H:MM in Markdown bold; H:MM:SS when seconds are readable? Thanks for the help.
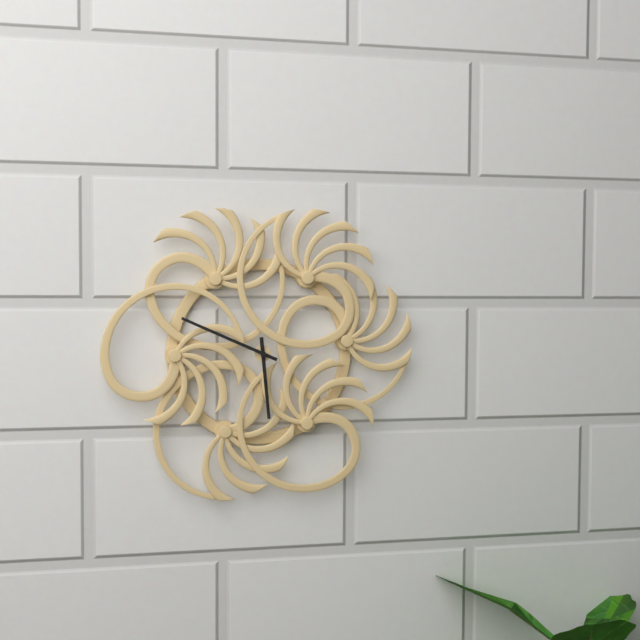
**5:49**
